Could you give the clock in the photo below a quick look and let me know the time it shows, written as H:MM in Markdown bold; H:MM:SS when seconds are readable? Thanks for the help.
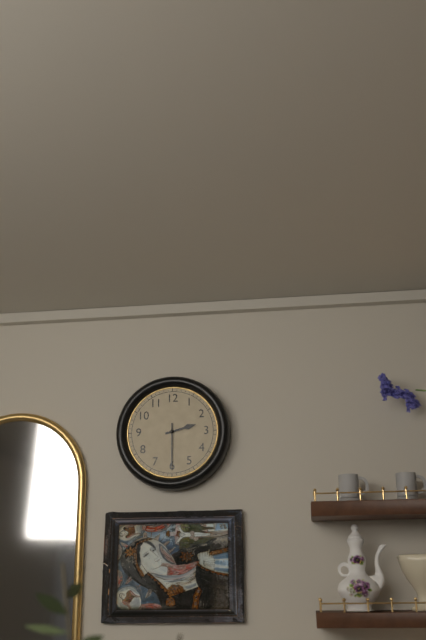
**2:30**
